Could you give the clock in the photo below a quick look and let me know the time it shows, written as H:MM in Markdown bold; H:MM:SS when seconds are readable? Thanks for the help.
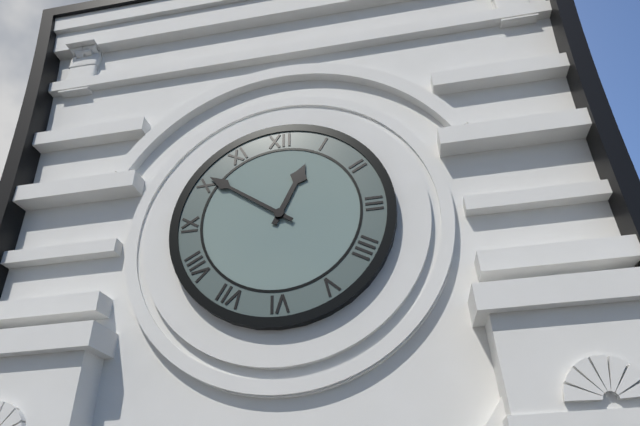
**12:51**
